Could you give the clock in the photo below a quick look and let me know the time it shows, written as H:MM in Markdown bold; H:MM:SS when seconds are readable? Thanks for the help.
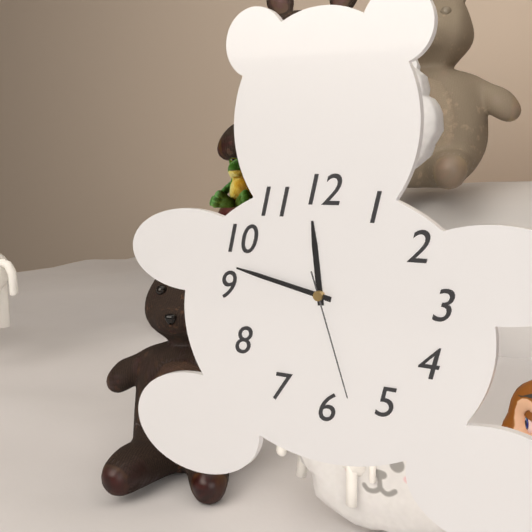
**11:47:27**
